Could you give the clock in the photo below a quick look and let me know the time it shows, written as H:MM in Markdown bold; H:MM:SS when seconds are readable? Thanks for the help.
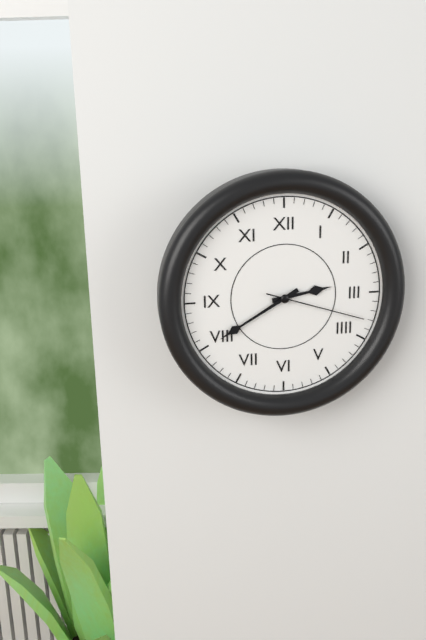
**2:40:18**
